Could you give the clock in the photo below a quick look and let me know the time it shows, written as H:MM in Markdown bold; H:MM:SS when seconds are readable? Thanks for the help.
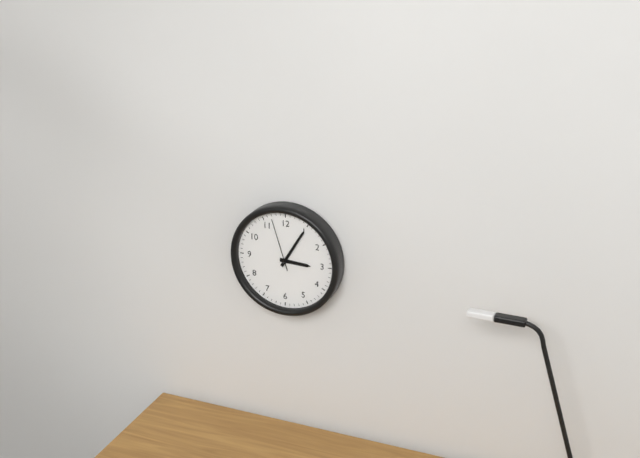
**3:05:57**
